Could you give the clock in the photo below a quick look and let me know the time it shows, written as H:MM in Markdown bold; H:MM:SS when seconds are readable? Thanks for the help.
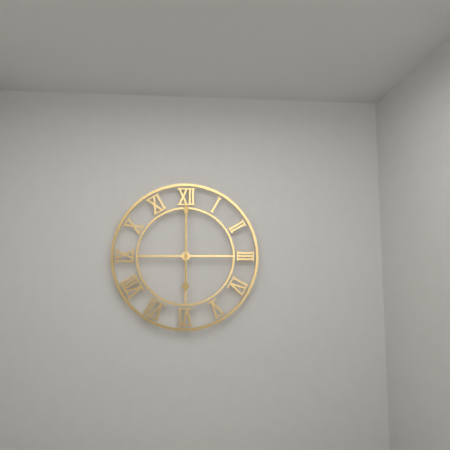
**6:00**
